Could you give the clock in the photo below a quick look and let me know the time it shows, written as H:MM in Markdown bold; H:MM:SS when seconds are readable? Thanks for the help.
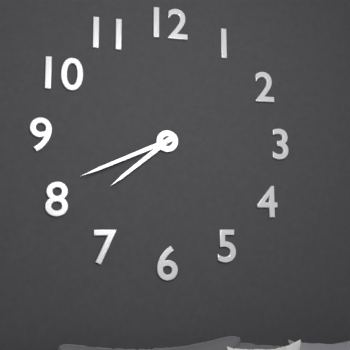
**7:41**
